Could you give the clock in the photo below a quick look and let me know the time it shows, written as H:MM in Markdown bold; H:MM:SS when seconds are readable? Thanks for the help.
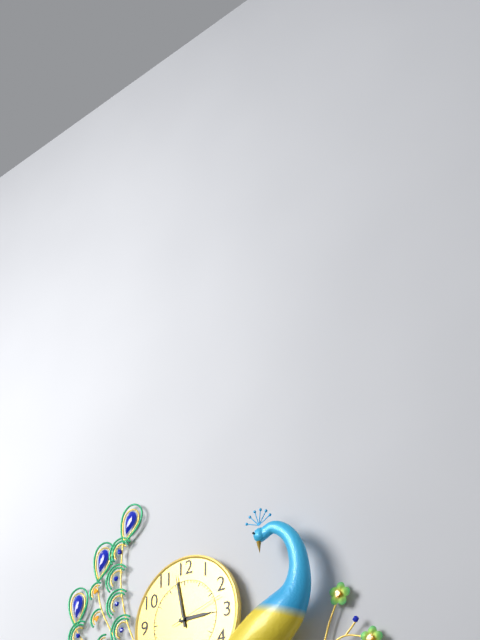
**2:58**
